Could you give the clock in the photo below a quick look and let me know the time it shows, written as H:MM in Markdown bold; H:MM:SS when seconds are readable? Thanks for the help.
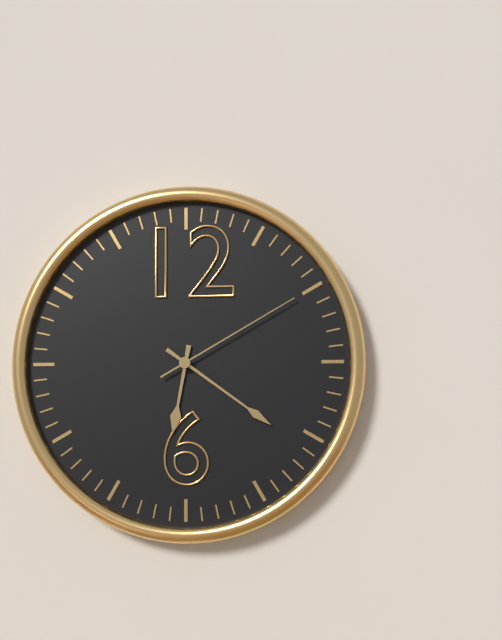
**6:21:10**
